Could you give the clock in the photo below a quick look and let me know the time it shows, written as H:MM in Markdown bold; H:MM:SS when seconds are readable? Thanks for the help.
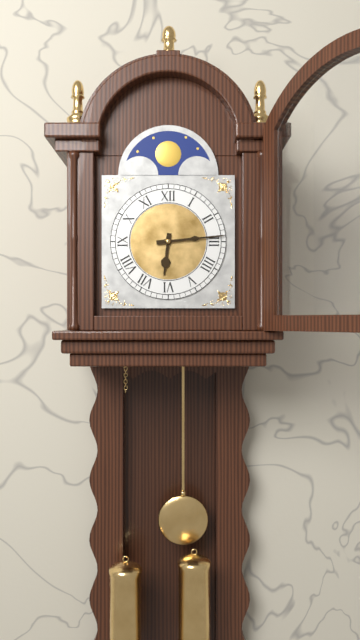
**6:14**
